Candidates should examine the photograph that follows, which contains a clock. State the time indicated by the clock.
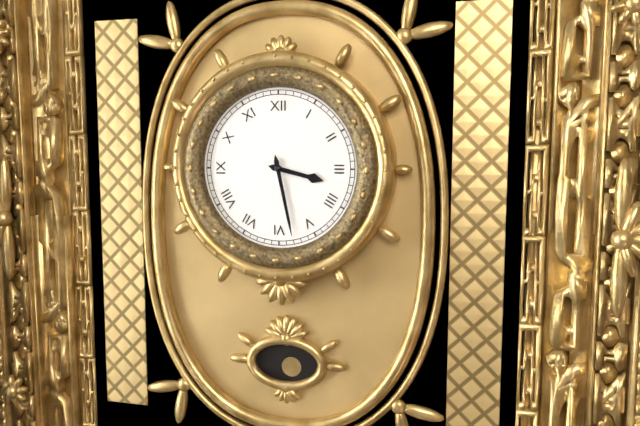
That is 3:28
